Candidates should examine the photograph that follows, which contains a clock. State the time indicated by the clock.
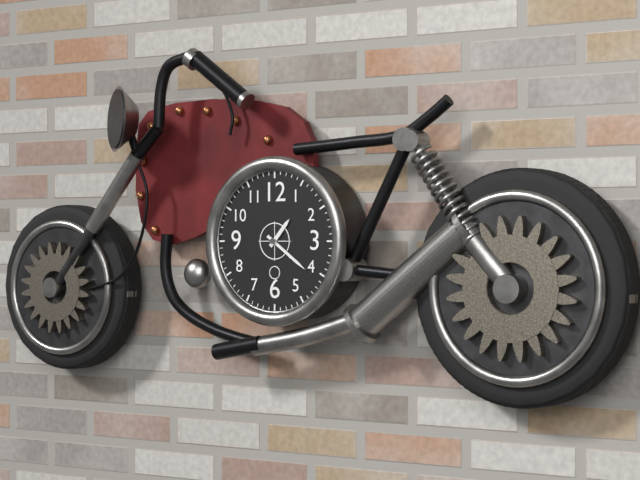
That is 1:21
